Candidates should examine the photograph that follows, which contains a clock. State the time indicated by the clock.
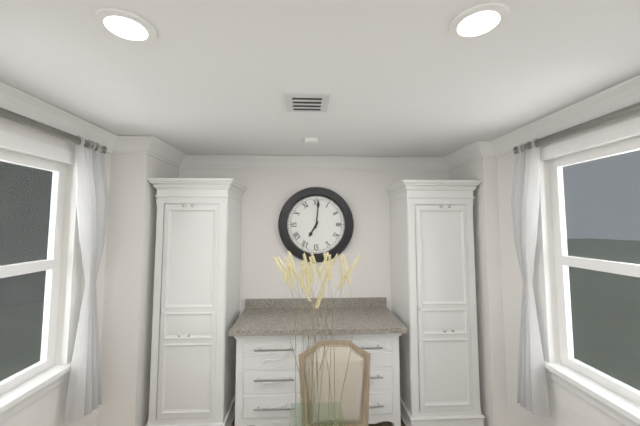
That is 7:01
